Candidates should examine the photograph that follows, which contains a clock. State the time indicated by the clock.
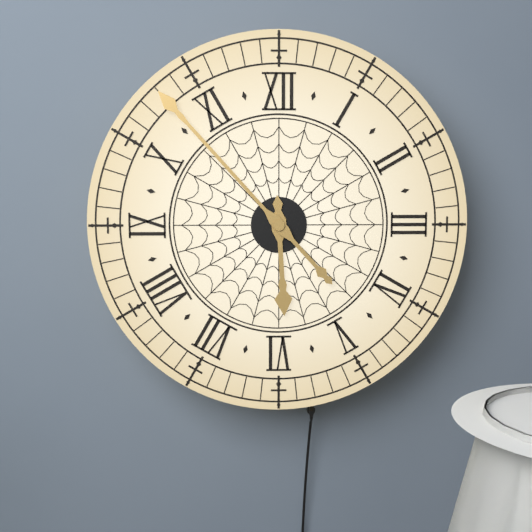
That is 5:53
